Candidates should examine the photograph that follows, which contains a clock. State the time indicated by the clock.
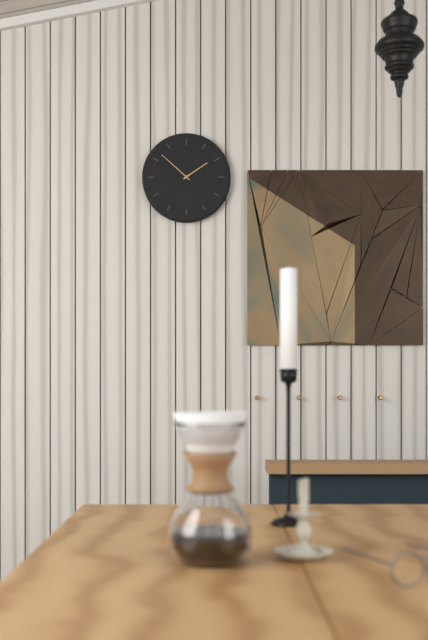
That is 1:52
